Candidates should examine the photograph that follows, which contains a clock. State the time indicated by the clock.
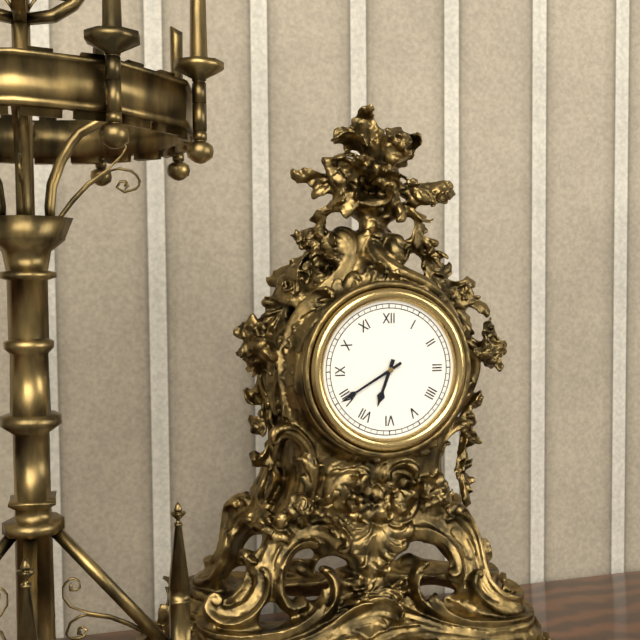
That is 6:40
